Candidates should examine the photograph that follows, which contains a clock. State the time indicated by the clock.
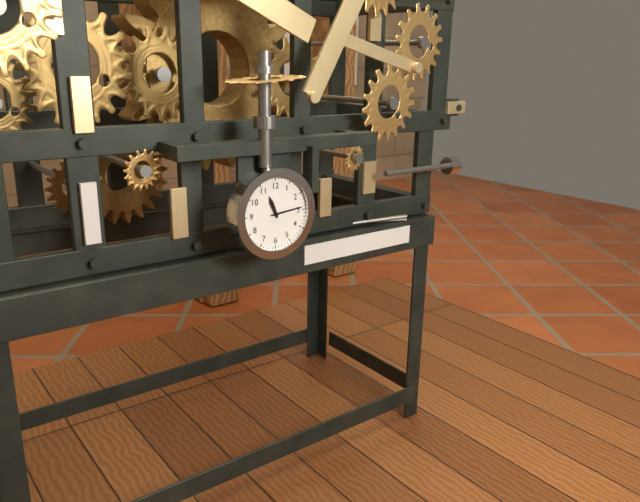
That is 11:14
